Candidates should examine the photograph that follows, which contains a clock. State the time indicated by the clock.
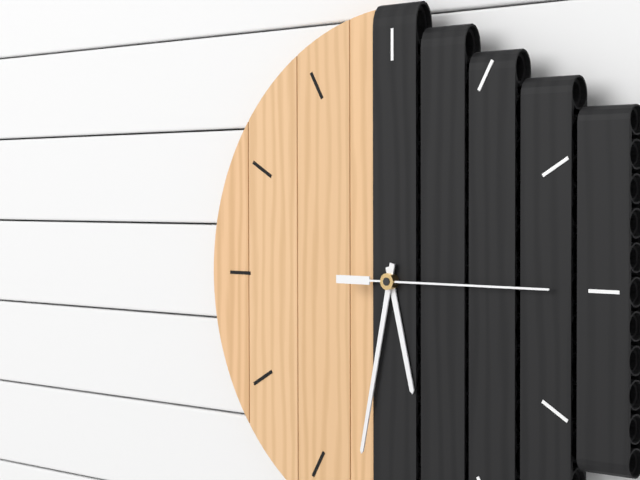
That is 5:32:15
